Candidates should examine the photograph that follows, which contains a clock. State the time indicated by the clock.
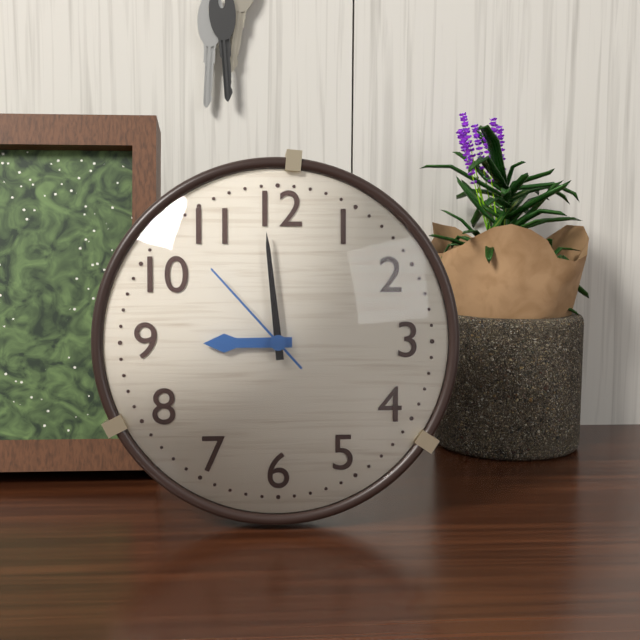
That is 8:59:53
